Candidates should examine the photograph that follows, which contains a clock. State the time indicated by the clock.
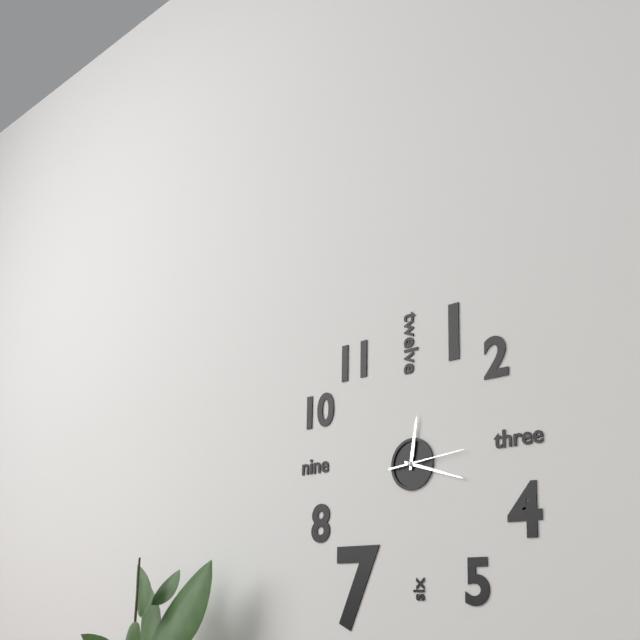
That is 12:18:14
